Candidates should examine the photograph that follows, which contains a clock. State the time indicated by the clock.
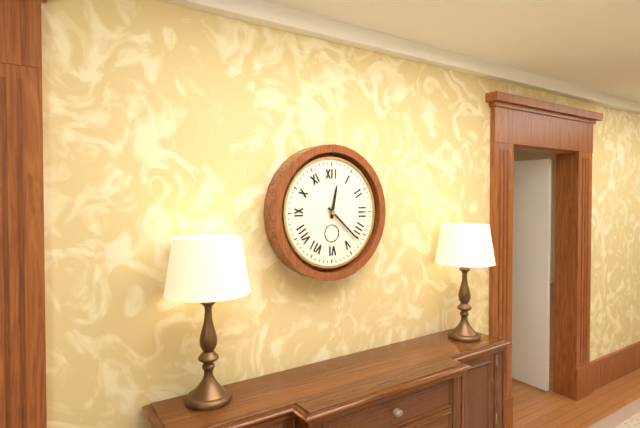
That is 12:22
